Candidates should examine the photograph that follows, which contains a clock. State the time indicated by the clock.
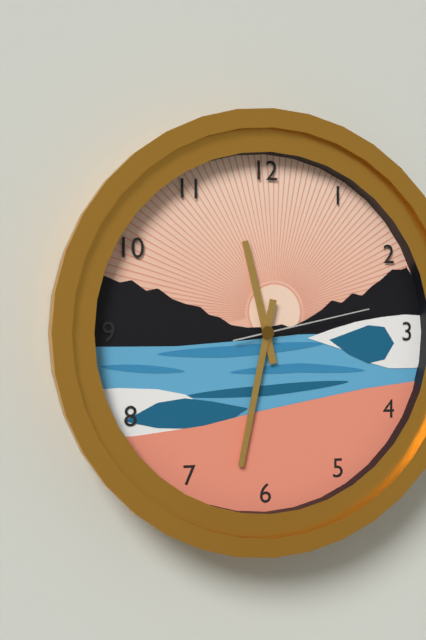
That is 11:32:13
